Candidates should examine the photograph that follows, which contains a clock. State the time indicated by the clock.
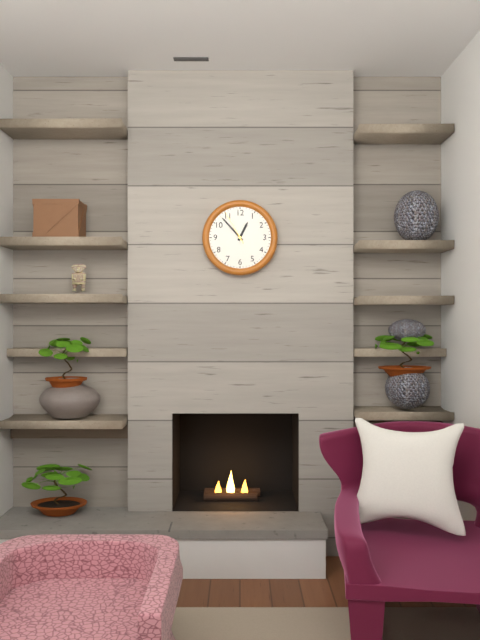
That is 12:53
